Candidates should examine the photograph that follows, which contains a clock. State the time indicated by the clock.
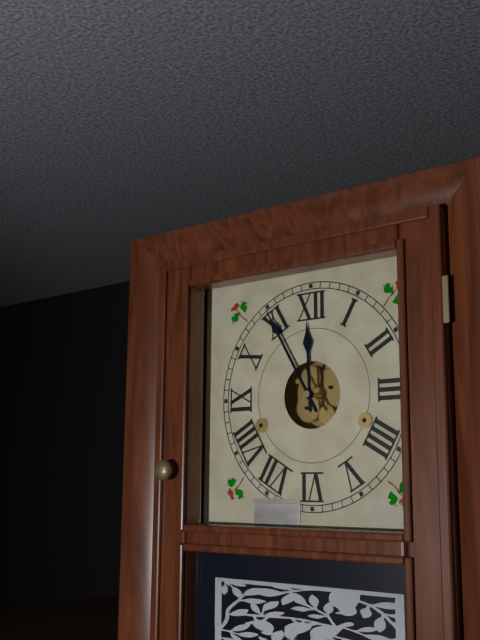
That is 11:55
